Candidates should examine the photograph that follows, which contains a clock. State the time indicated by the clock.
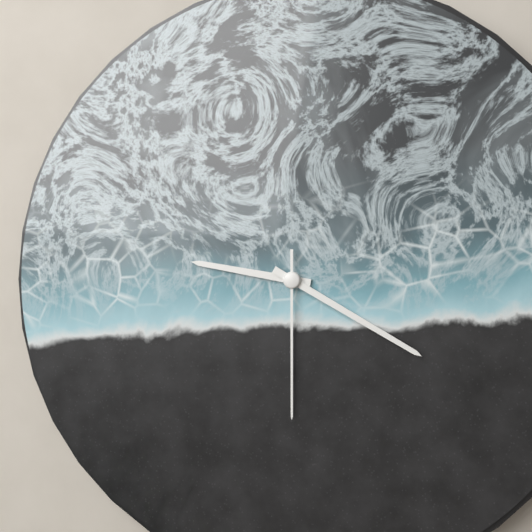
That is 9:20:30
